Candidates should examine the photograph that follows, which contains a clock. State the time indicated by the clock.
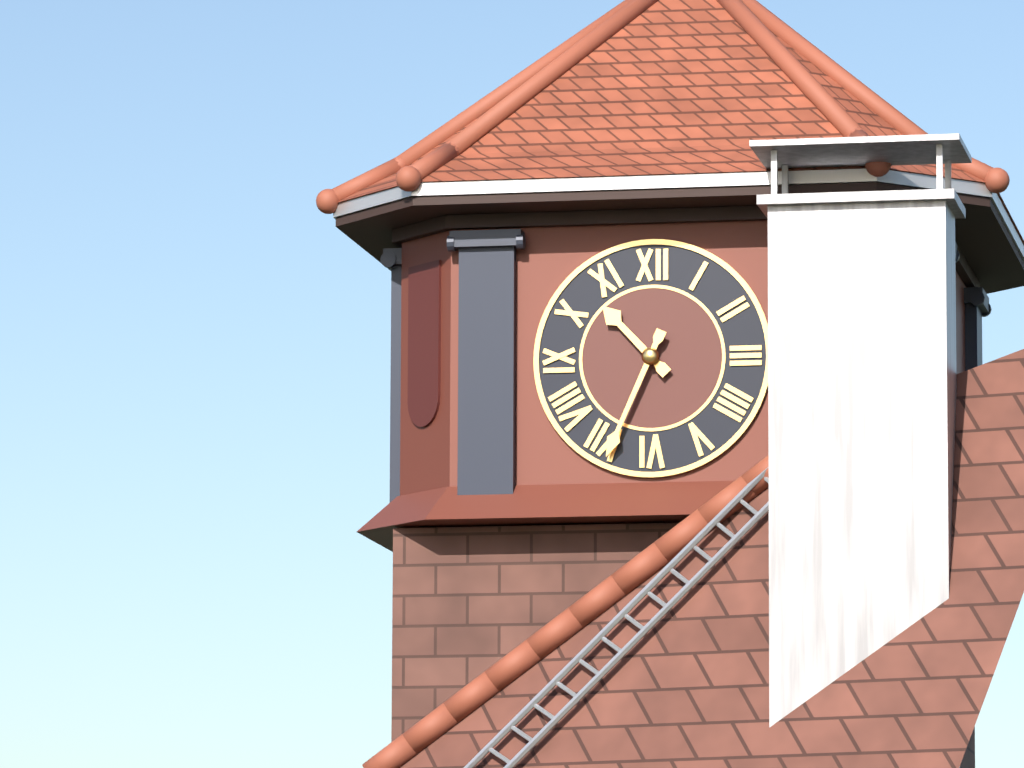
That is 10:34
